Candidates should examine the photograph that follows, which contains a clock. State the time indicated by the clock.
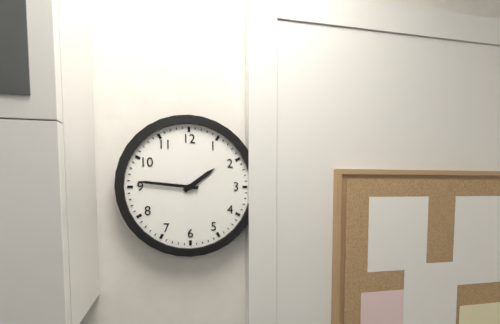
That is 1:46
